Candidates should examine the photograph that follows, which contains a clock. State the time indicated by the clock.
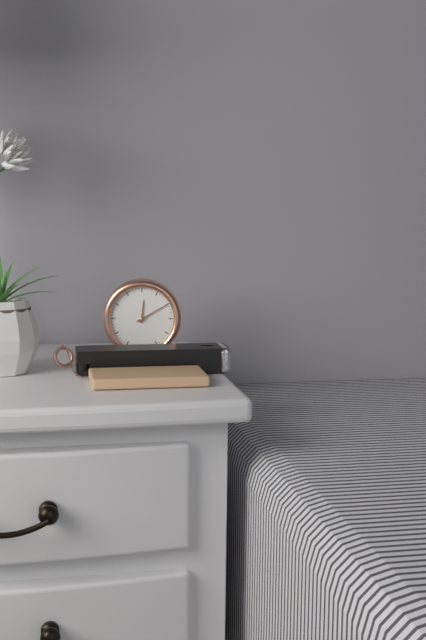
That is 12:10
